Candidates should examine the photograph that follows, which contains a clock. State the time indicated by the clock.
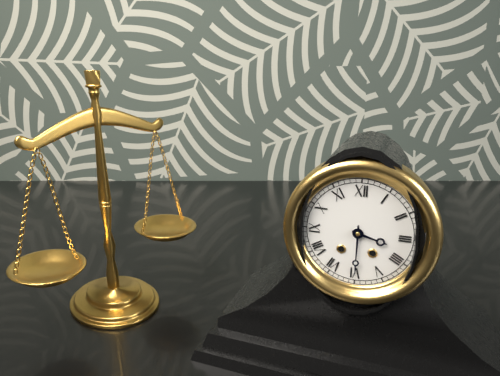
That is 3:30
